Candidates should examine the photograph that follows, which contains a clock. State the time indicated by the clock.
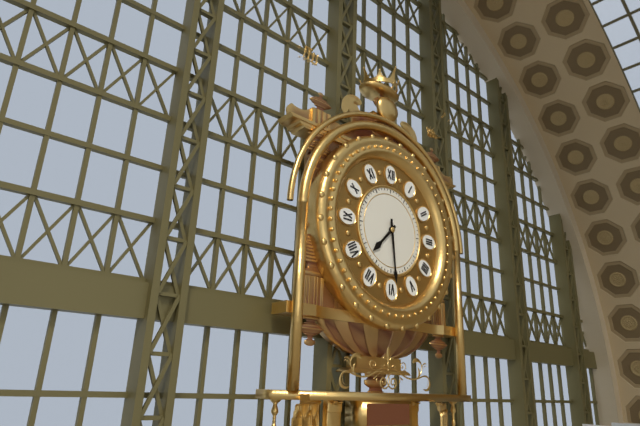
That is 7:29
